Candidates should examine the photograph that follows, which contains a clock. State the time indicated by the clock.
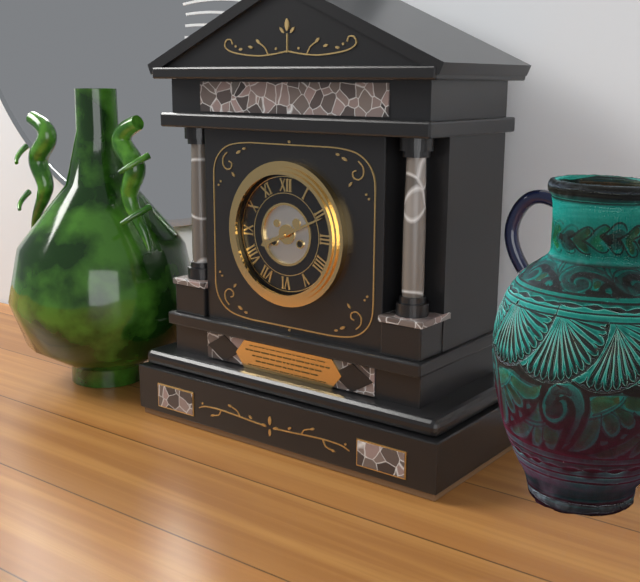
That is 8:11
